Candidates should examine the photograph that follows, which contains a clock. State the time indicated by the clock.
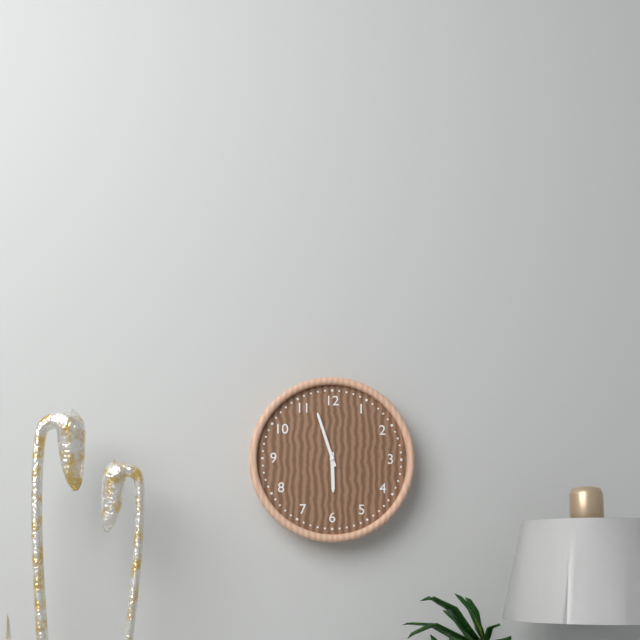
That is 5:57
